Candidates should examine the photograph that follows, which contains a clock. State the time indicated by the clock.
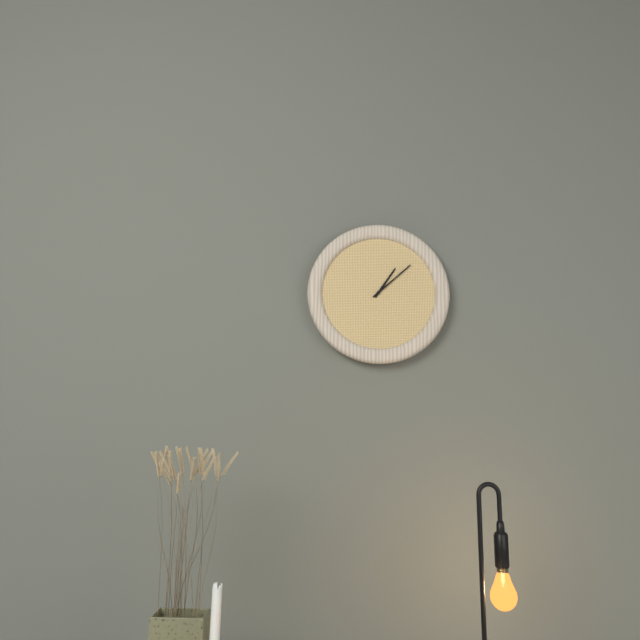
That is 1:08
